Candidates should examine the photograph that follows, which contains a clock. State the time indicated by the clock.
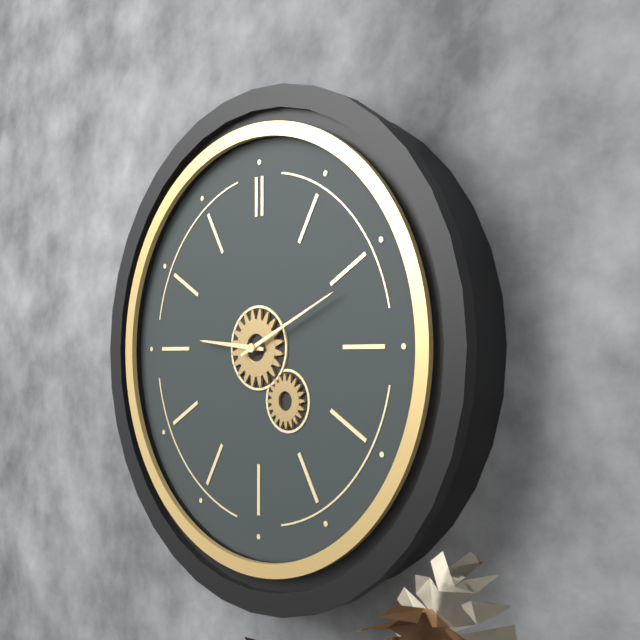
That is 9:11
